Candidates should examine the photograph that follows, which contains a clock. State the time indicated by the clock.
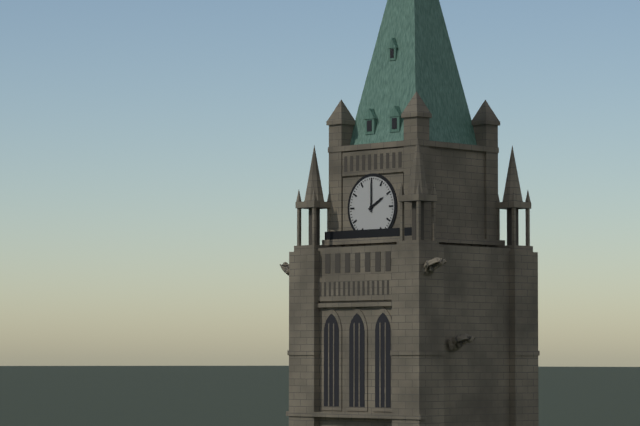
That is 2:00
